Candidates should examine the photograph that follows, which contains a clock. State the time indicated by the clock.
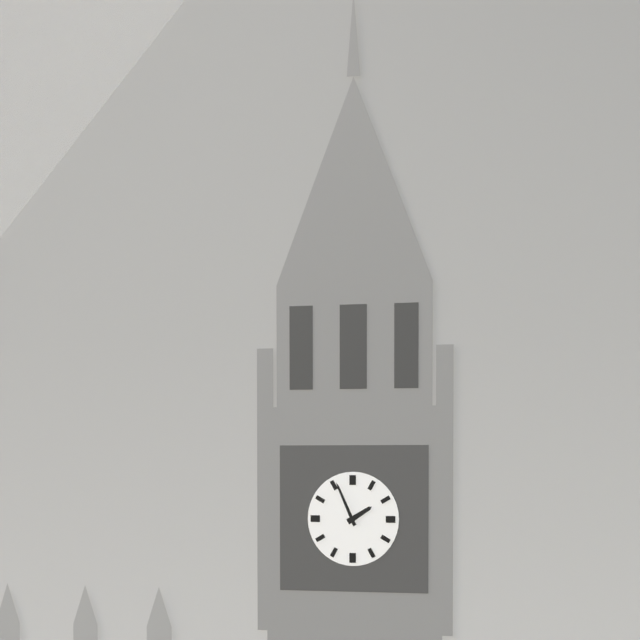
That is 1:56
